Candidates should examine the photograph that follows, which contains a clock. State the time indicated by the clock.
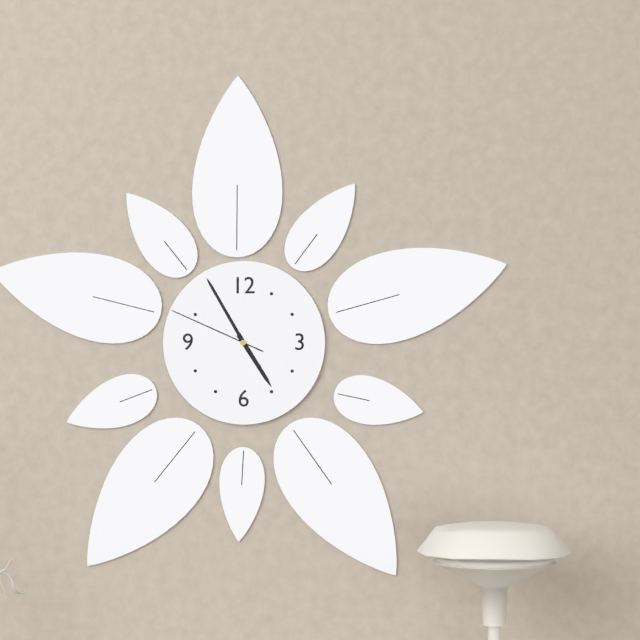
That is 4:55:49
